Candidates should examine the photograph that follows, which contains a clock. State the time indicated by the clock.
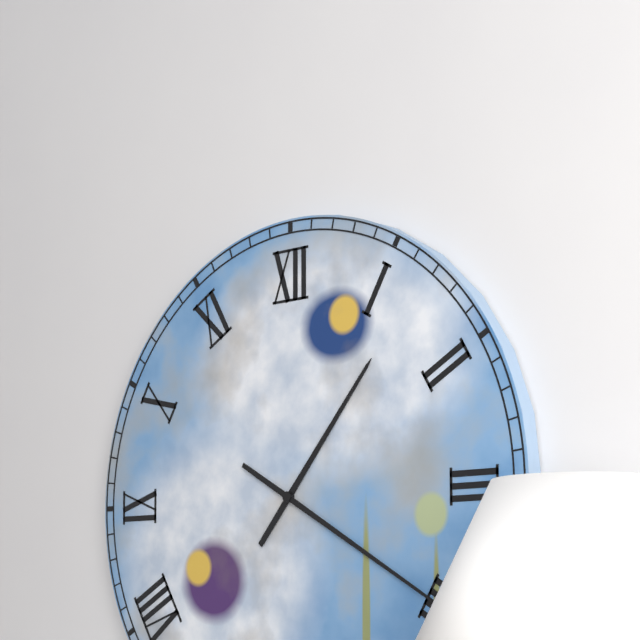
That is 1:20
